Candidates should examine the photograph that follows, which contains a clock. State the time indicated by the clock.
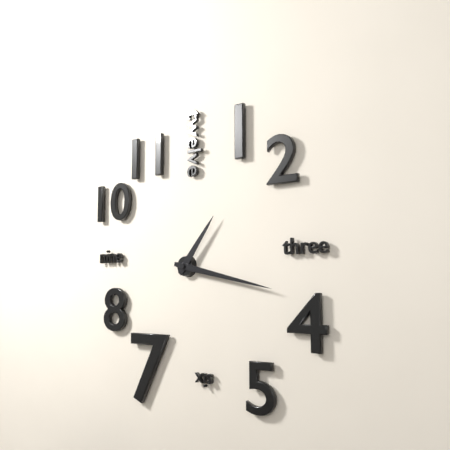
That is 1:17
